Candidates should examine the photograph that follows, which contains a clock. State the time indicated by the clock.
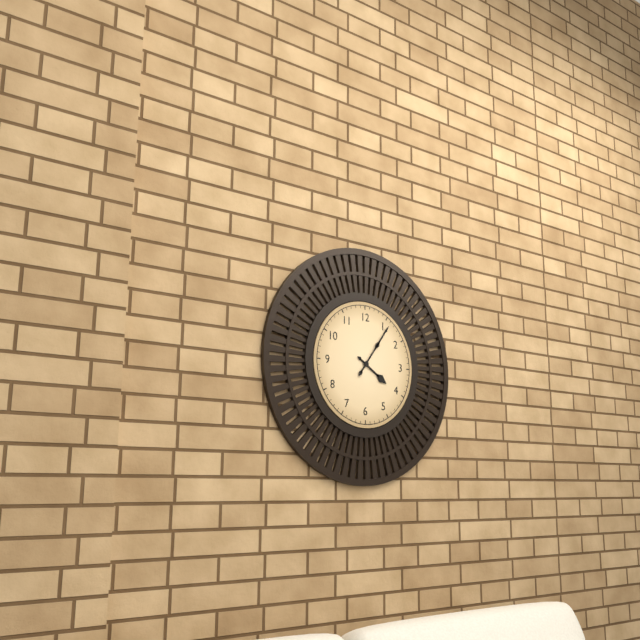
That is 4:06
